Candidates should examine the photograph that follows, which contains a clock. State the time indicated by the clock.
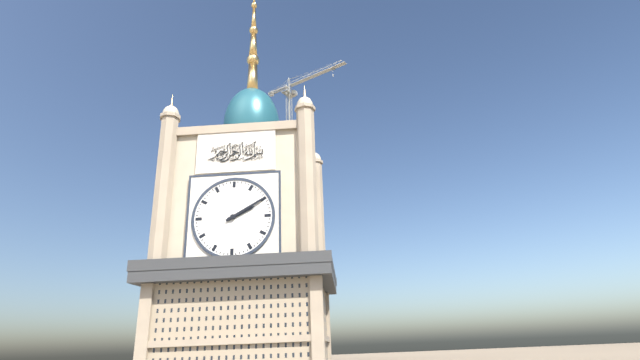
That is 2:10
